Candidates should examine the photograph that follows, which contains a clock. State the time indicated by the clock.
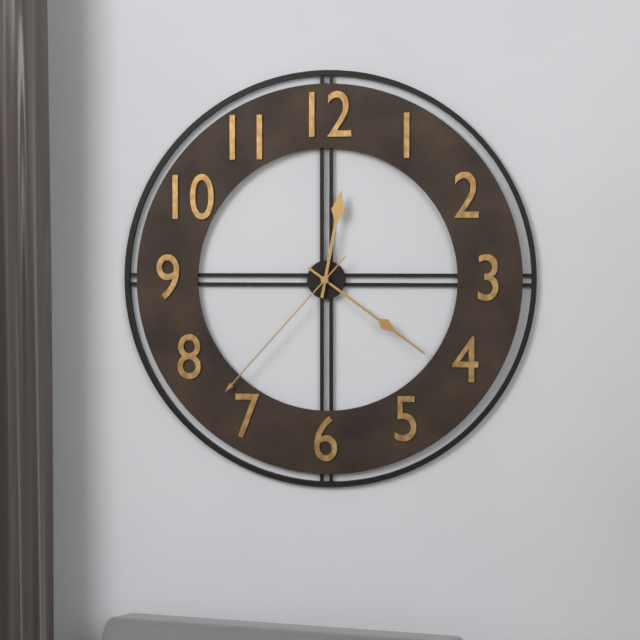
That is 12:21:37
